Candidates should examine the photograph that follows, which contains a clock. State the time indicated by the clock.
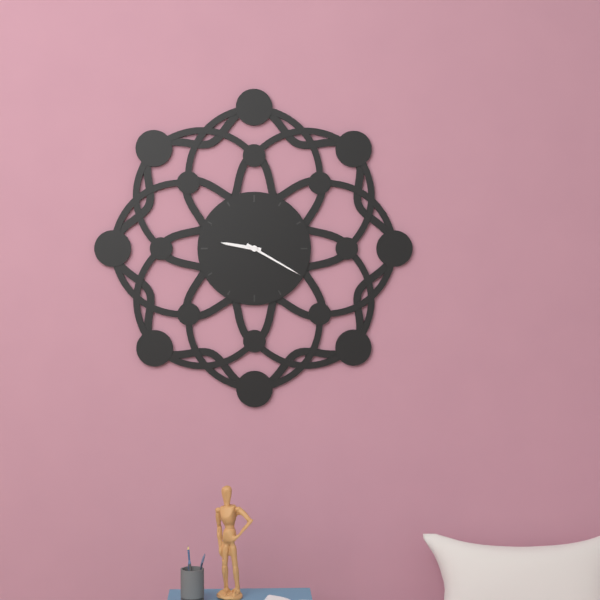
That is 9:20
